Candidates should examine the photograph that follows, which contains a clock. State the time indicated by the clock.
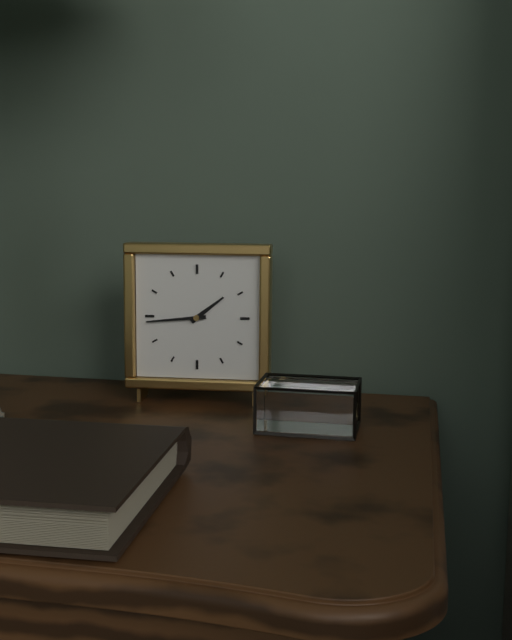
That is 1:44
